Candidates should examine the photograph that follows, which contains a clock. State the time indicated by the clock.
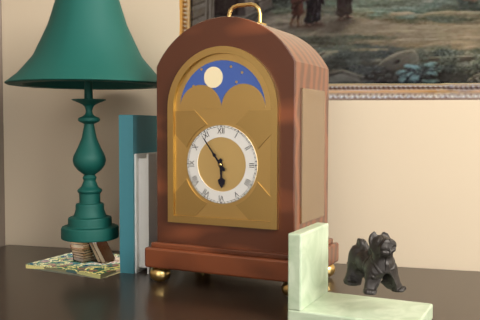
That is 5:54
